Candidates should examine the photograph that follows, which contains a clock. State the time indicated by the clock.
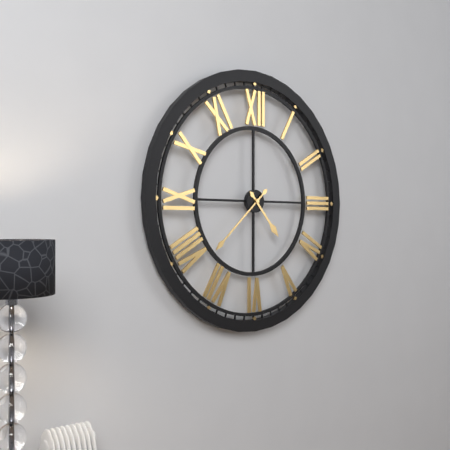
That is 4:38
